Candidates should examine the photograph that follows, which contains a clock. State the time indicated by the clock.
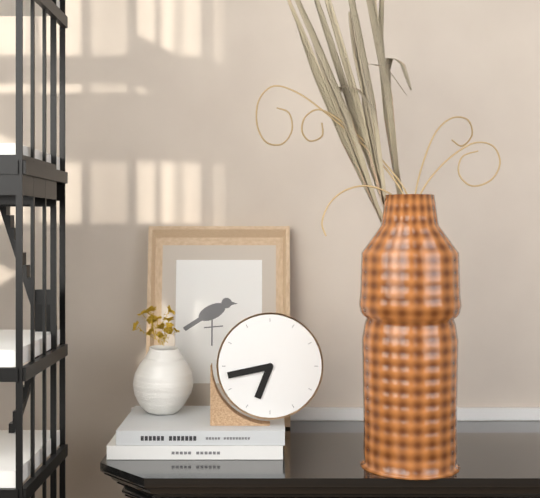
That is 6:43
